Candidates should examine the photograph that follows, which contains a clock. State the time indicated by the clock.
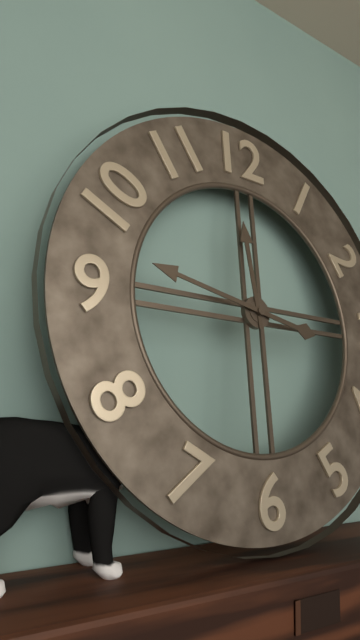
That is 11:47
